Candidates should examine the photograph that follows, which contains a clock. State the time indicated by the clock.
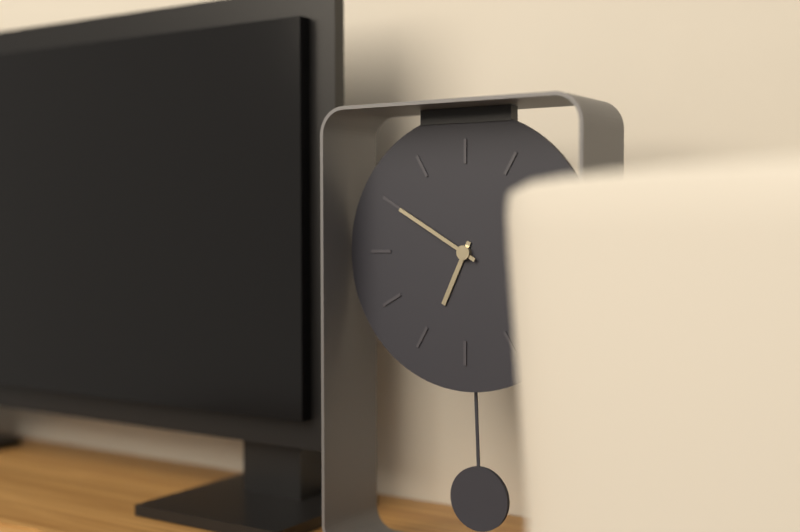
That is 6:50
